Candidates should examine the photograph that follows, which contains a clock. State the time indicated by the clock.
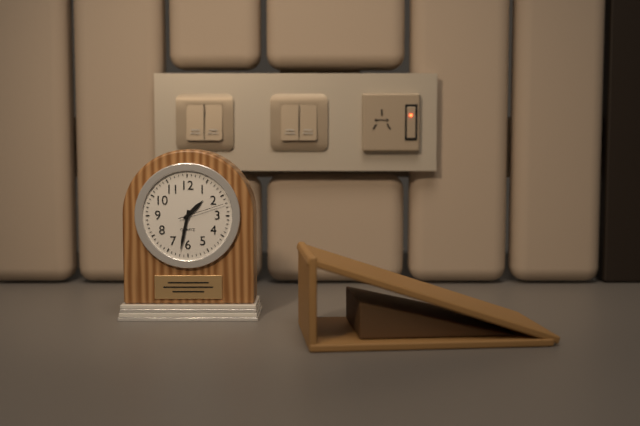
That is 1:32
